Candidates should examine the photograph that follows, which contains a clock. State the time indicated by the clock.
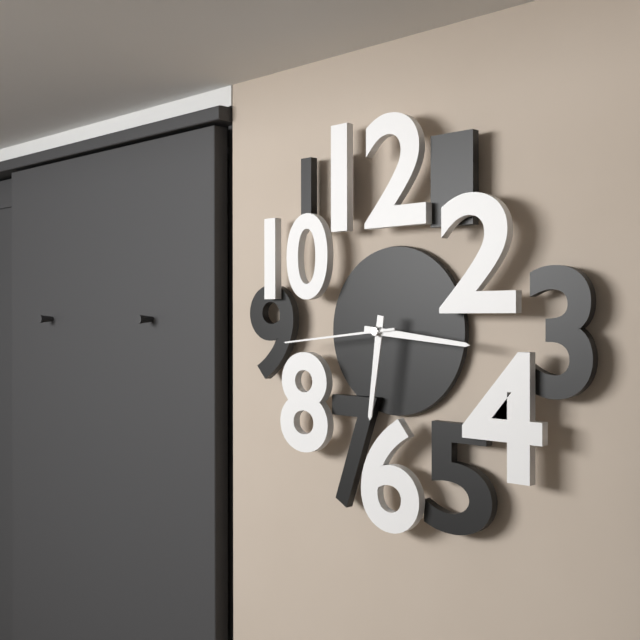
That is 6:16:44
